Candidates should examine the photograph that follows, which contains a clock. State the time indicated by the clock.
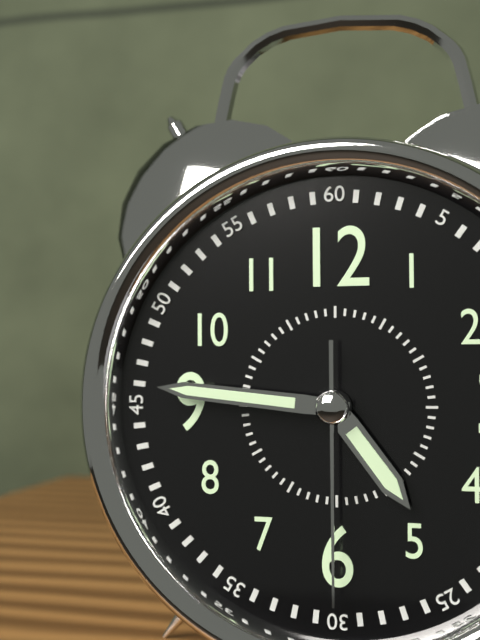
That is 4:46:30
